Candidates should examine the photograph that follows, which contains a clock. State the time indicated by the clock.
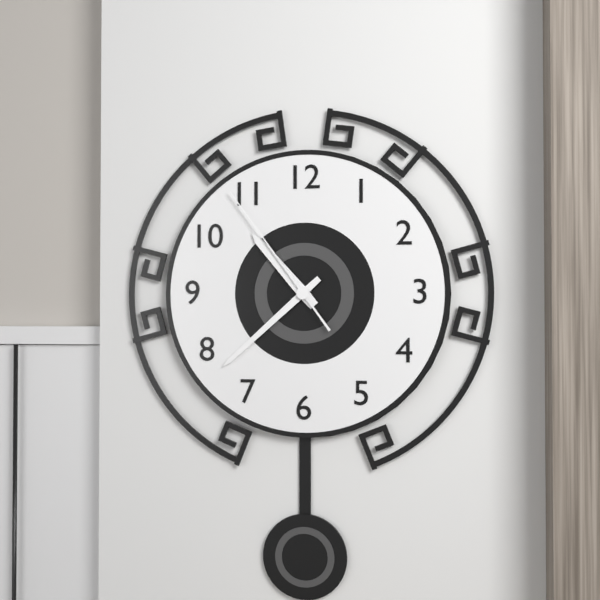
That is 10:38:54
